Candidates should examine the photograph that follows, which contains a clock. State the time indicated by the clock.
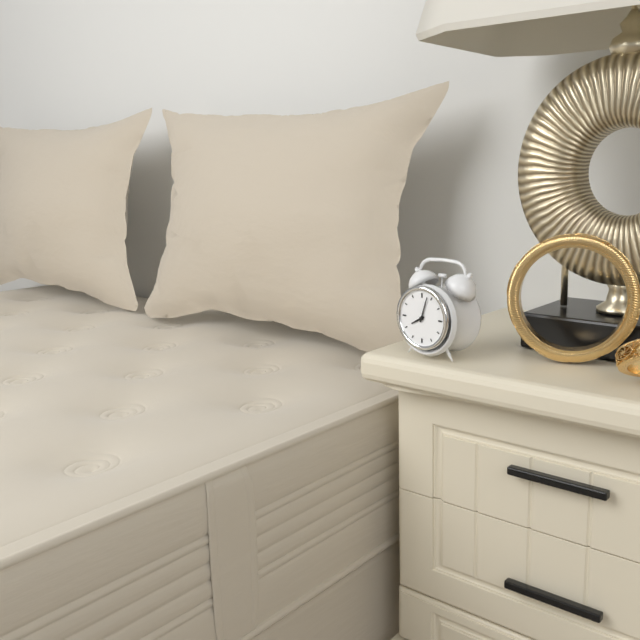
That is 8:03
